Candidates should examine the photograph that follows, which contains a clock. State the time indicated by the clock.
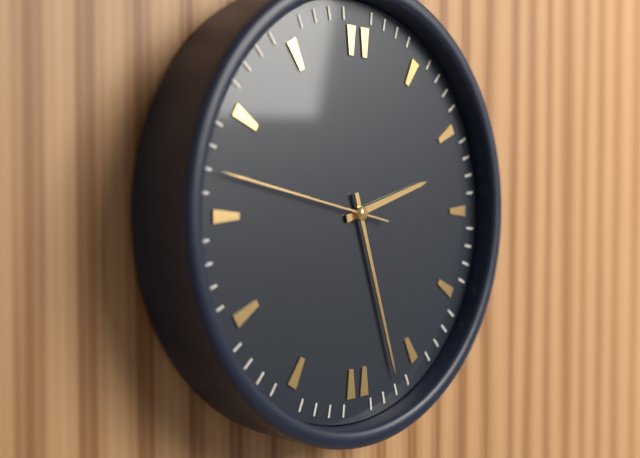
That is 2:27:47
